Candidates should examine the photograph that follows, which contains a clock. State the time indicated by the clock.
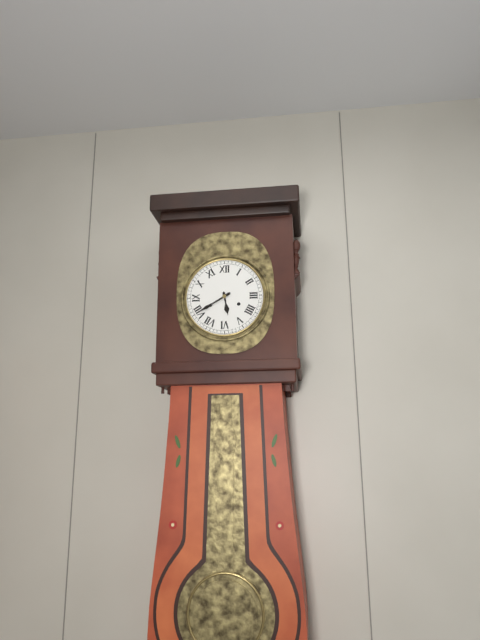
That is 5:40
